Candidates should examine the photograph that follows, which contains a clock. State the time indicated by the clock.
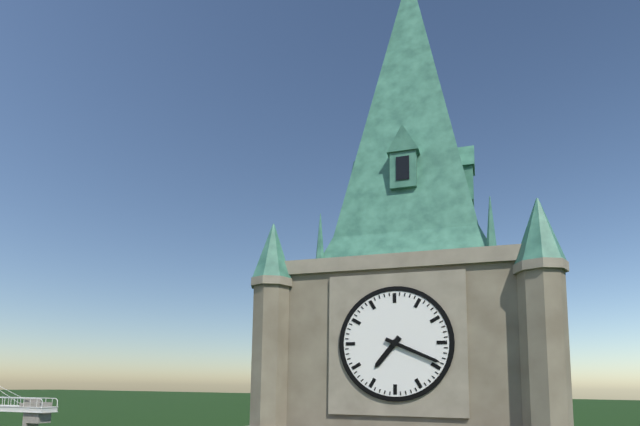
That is 7:19
